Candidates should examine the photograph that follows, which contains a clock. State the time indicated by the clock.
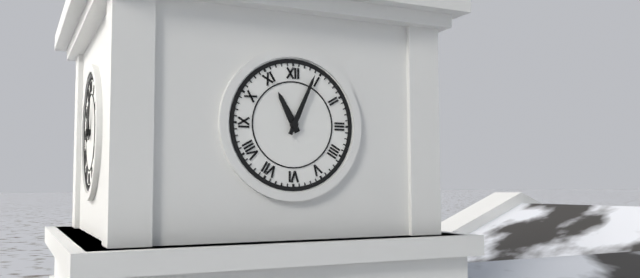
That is 11:04
